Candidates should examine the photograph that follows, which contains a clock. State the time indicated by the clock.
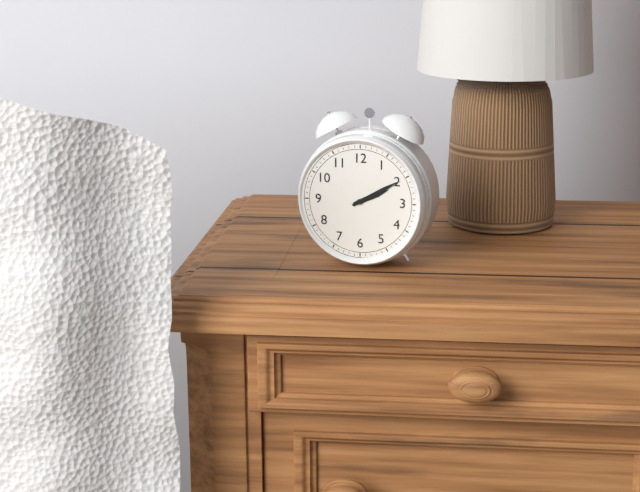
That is 2:10
